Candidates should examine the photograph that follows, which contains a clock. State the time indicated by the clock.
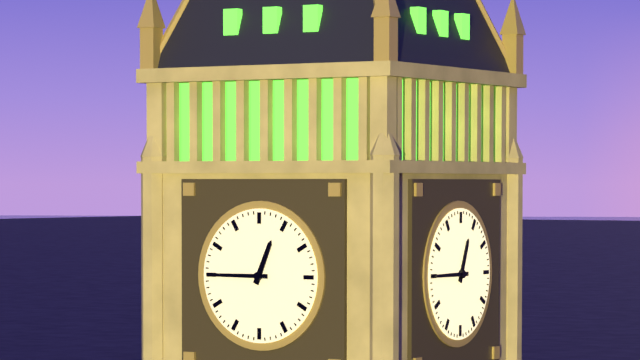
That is 12:45
